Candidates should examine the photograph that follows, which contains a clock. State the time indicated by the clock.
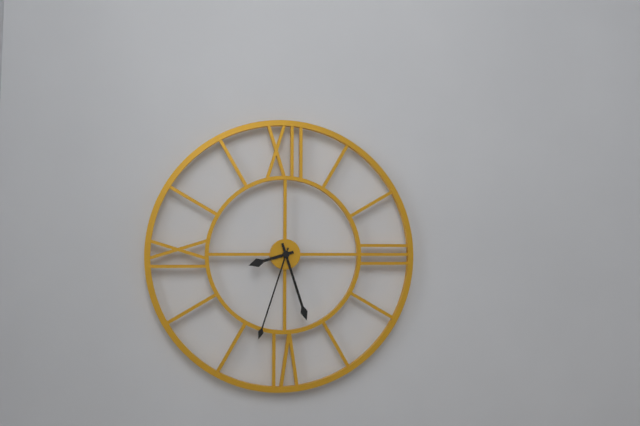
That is 8:27:33
